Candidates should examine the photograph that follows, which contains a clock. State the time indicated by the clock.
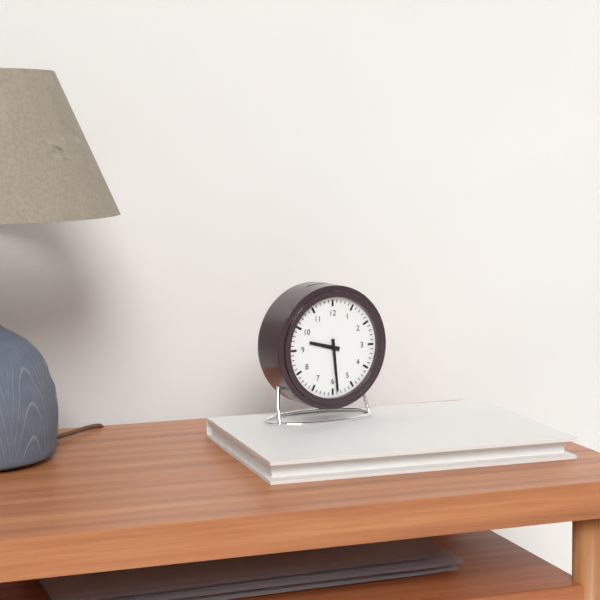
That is 9:29
